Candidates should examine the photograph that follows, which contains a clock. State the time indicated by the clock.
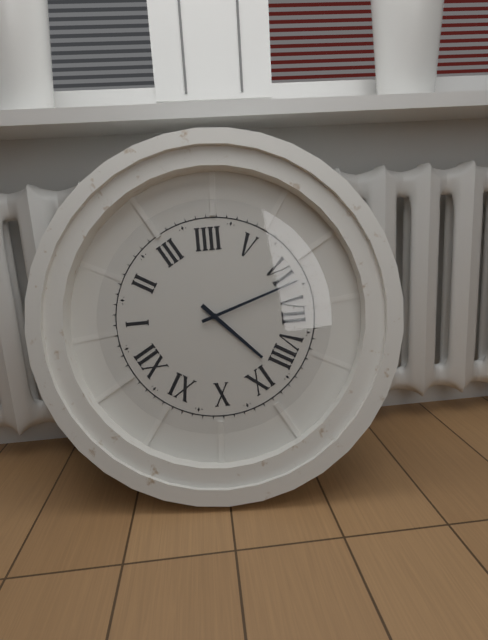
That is 8:32
